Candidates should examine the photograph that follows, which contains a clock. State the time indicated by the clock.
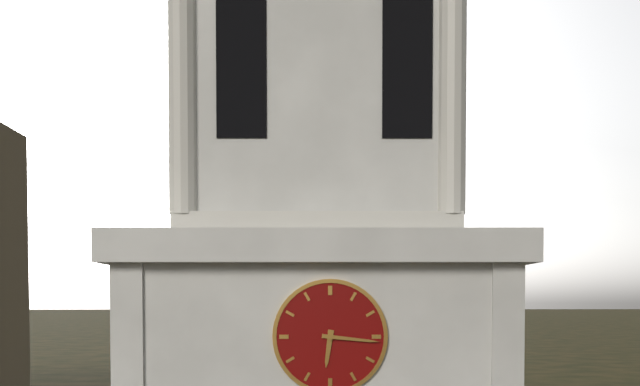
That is 6:16
